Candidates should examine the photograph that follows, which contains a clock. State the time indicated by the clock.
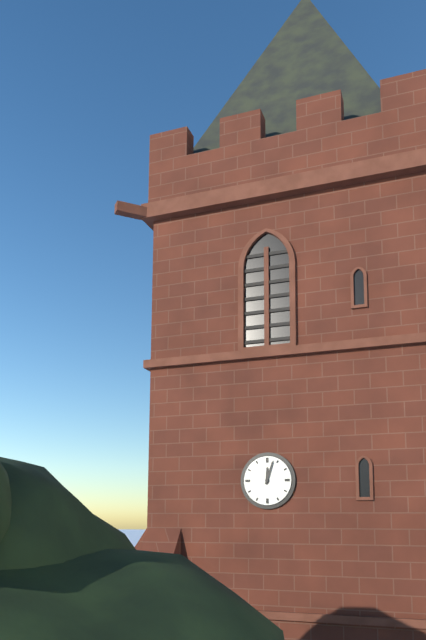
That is 12:03
